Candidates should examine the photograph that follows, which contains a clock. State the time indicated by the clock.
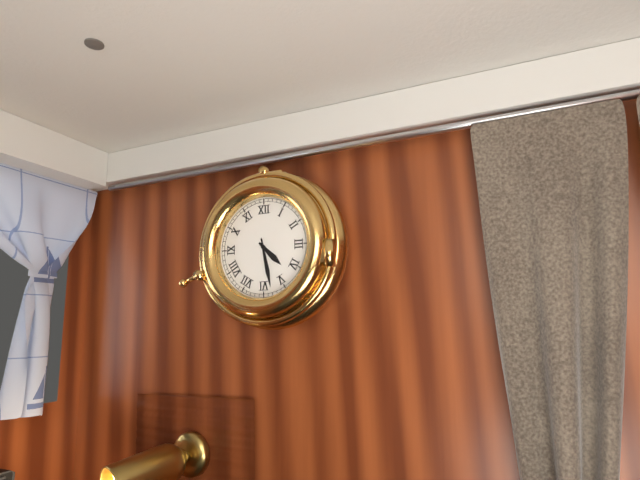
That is 4:28
